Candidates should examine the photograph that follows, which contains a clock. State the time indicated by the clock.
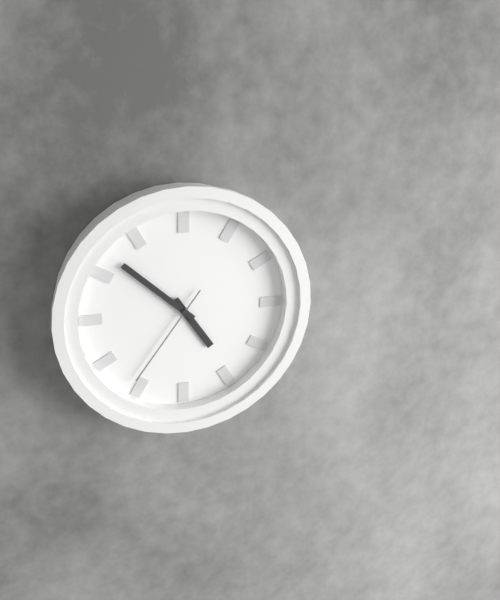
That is 4:52:36
